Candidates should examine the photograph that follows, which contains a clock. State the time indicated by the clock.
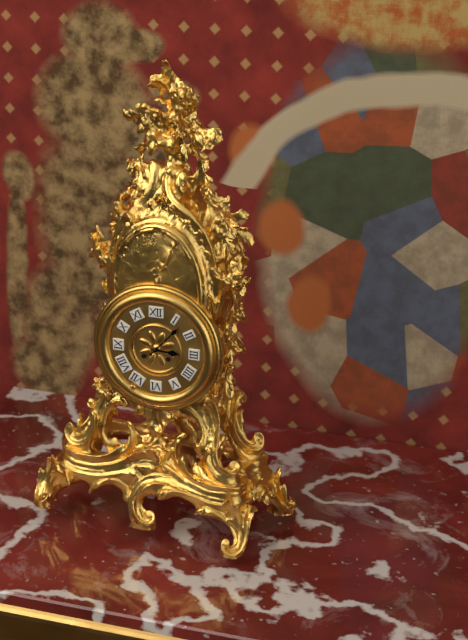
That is 3:07
